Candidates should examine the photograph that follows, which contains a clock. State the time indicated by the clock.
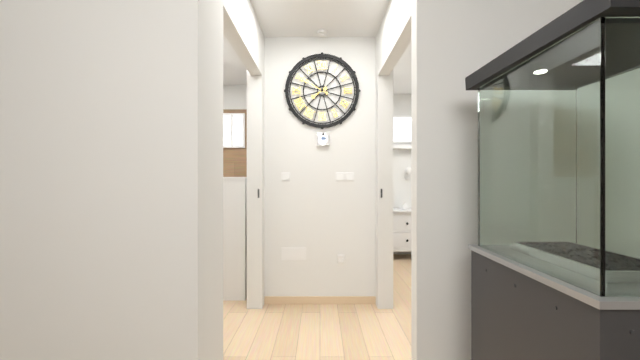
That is 7:50
